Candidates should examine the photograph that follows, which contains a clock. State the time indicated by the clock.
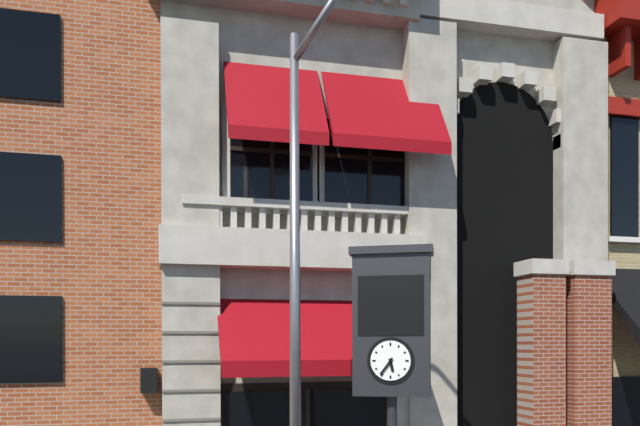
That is 5:36
